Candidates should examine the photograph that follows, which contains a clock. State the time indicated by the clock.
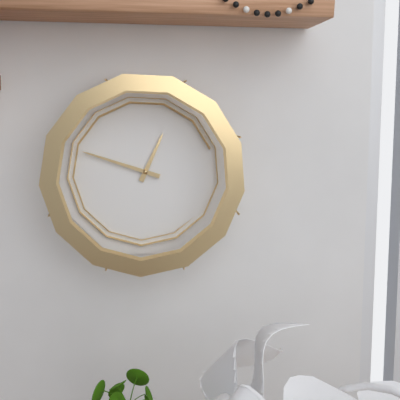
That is 12:48
